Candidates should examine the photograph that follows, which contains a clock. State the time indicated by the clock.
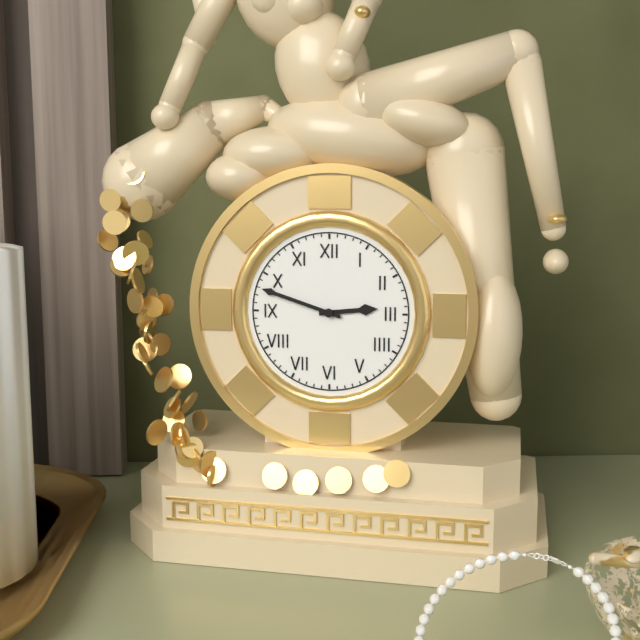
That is 2:48
